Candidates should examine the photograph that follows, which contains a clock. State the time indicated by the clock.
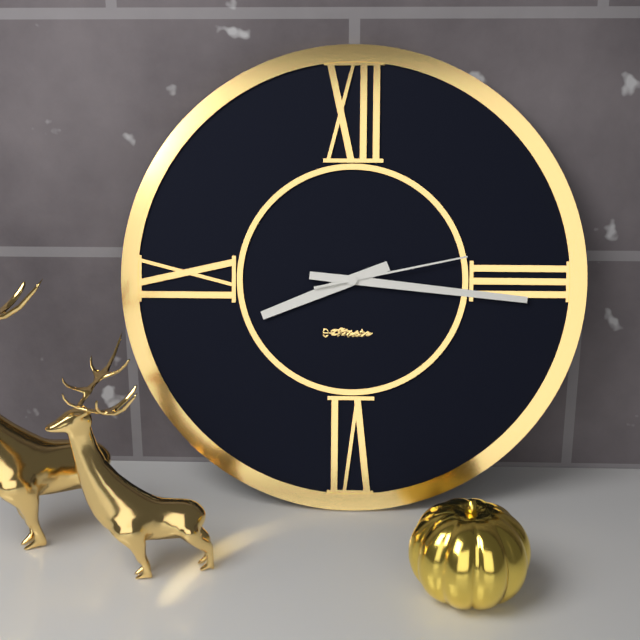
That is 8:16:13
